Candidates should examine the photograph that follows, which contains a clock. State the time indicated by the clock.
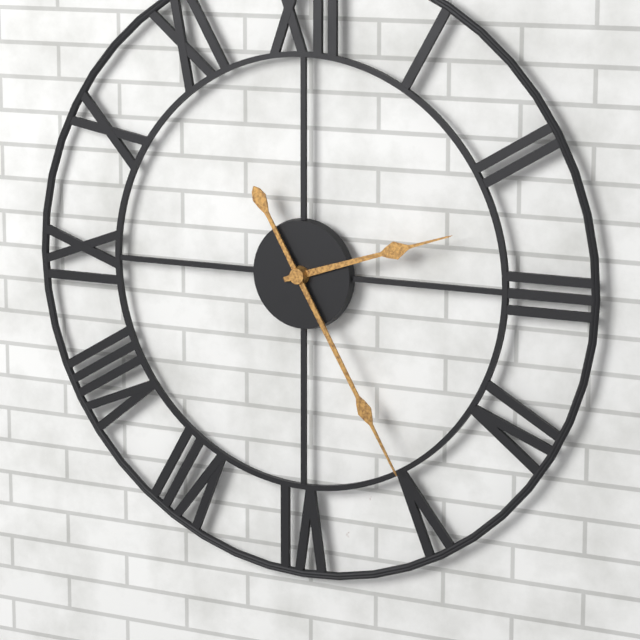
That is 2:25
